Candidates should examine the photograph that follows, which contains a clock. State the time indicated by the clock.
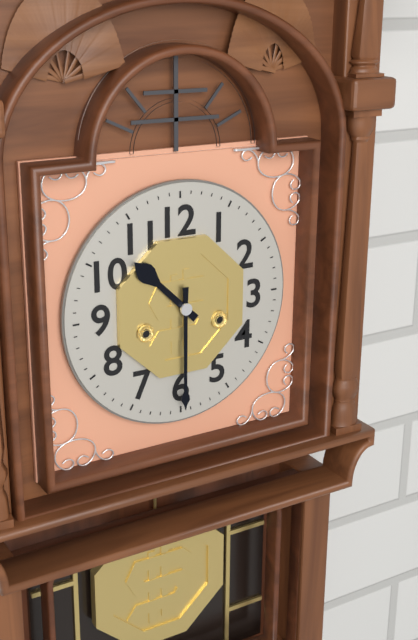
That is 10:30
